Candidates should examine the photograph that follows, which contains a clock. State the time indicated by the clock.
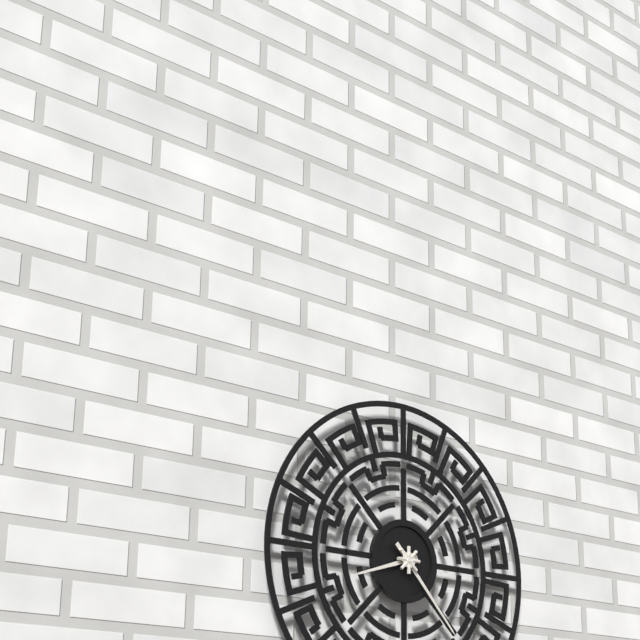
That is 8:23
